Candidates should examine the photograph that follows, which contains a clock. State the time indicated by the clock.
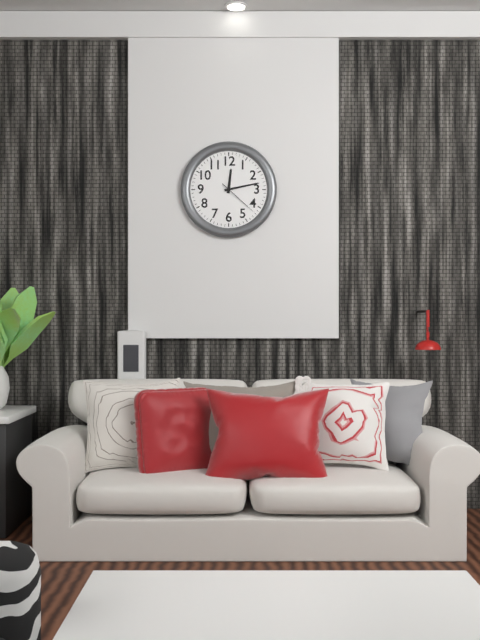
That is 12:13
